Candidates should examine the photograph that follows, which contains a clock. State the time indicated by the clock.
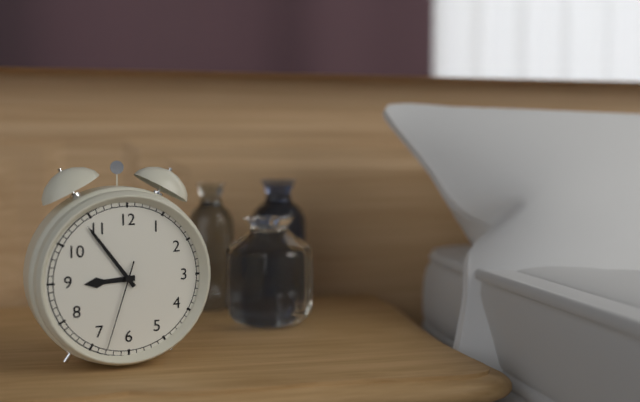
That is 8:54:33
